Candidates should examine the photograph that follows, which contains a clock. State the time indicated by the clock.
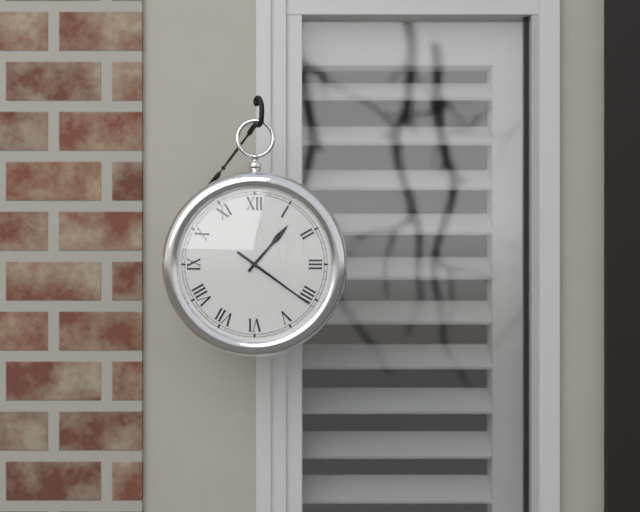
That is 1:21
